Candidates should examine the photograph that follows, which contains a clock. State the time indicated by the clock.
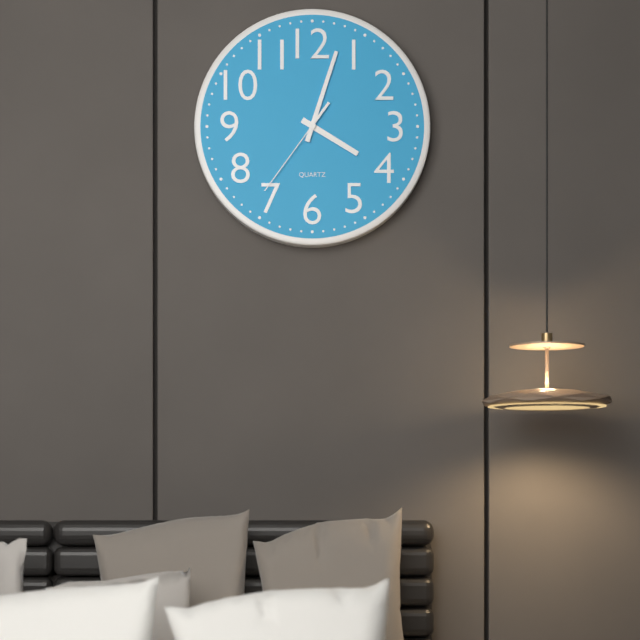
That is 4:03:36
